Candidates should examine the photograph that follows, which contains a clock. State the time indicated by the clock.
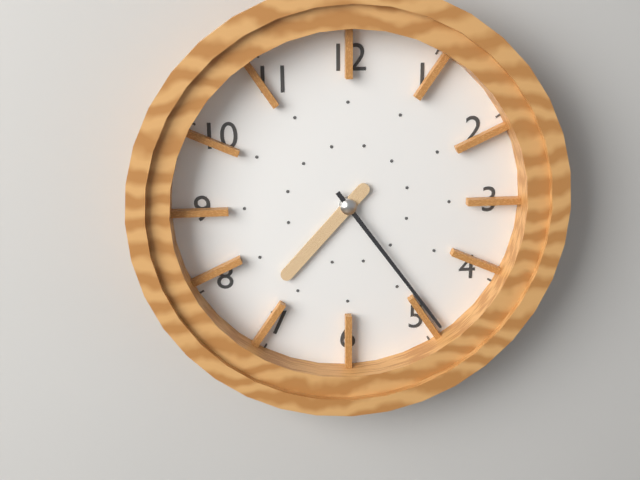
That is 7:24
